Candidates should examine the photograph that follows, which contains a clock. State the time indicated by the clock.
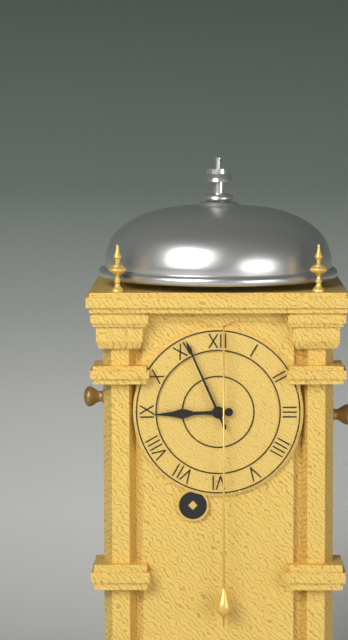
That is 8:56
